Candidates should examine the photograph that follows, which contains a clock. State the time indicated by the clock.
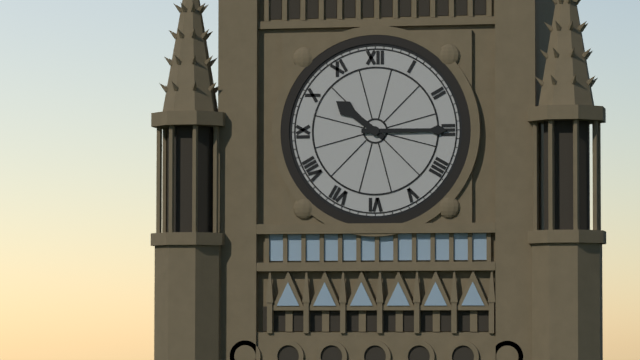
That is 10:15
